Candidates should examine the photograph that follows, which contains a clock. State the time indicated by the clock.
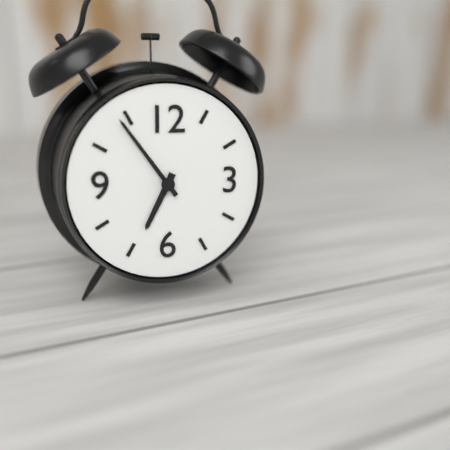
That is 6:54
